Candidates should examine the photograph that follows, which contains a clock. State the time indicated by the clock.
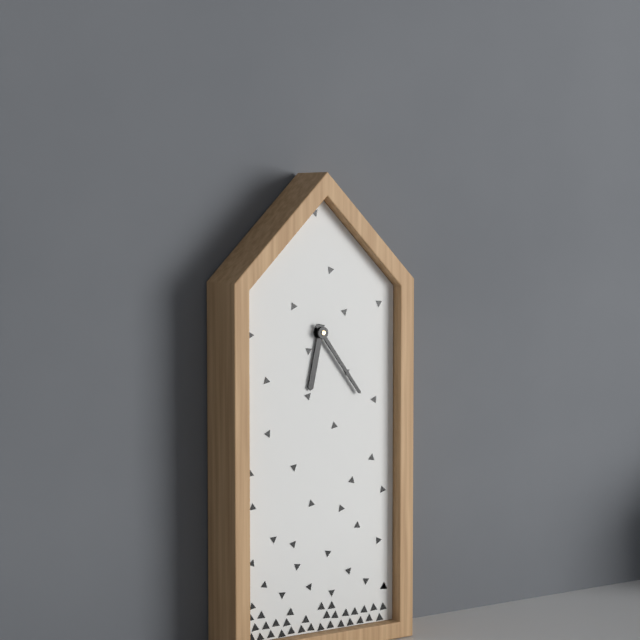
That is 6:24
